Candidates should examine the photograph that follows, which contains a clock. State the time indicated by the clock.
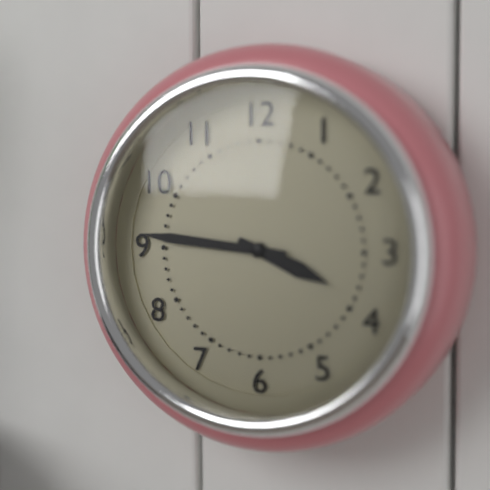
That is 3:46
